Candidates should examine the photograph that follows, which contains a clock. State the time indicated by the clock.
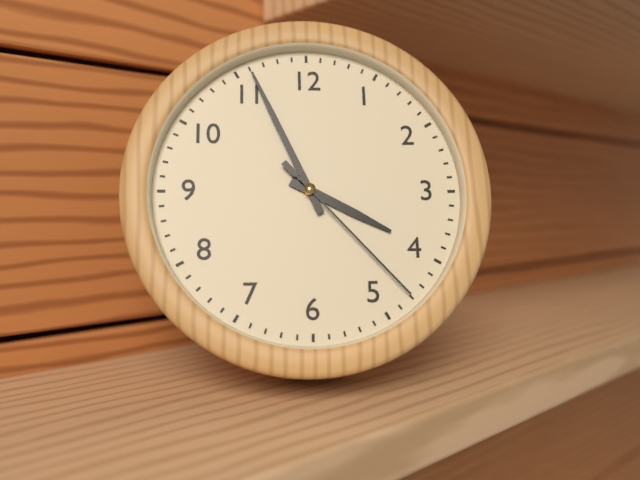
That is 3:56:23
